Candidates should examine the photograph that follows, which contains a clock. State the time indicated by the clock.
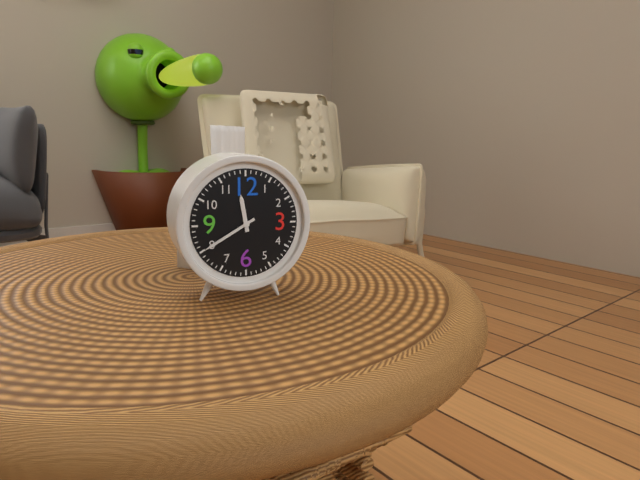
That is 11:40
